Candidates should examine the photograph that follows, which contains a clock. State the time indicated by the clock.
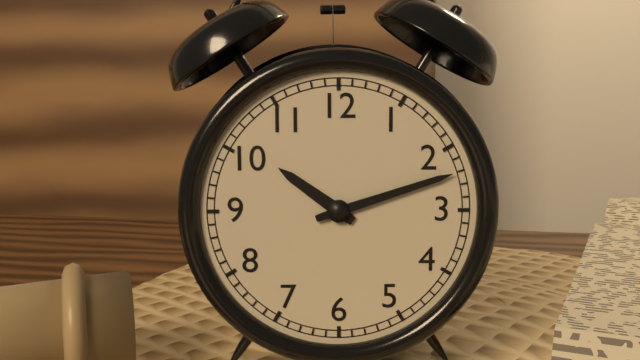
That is 10:12
